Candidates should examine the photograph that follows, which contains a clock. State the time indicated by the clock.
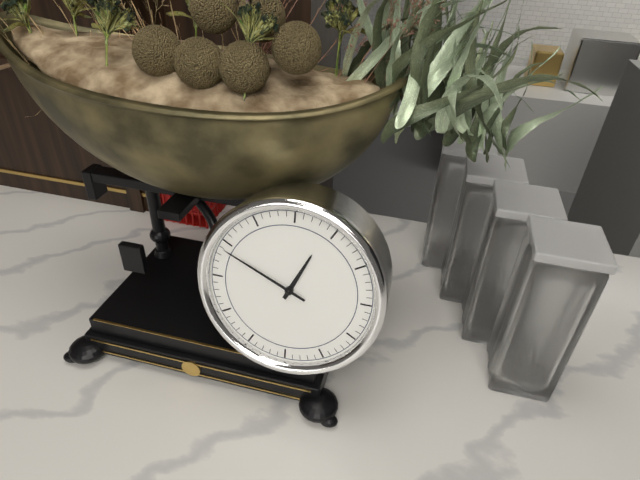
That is 12:49
